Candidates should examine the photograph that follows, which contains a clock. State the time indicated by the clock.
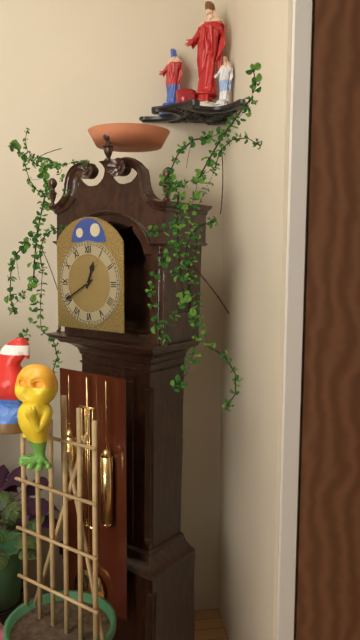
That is 12:40
